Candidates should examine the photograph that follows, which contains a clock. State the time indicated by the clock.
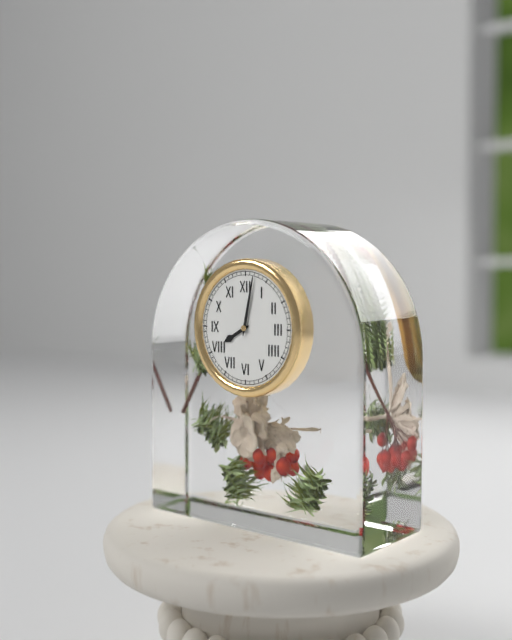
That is 8:02
